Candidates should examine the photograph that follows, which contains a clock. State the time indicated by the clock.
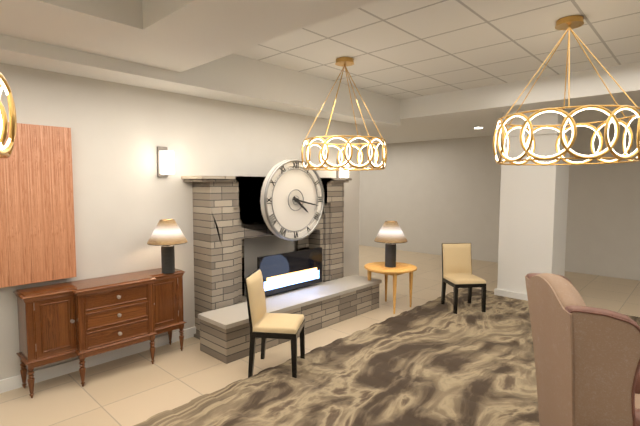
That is 4:17
